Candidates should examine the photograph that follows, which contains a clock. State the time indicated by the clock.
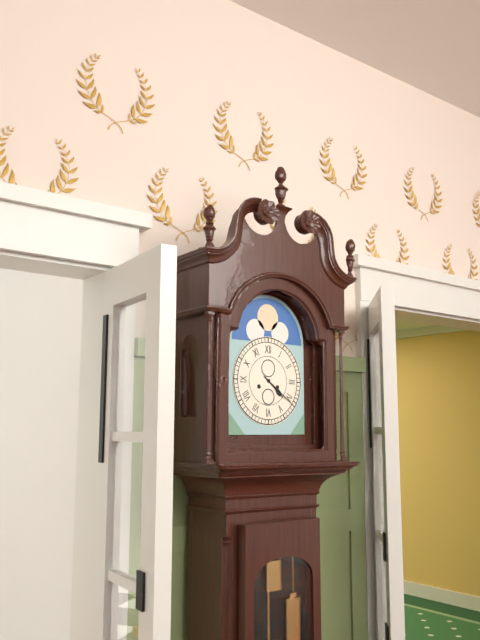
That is 4:21
